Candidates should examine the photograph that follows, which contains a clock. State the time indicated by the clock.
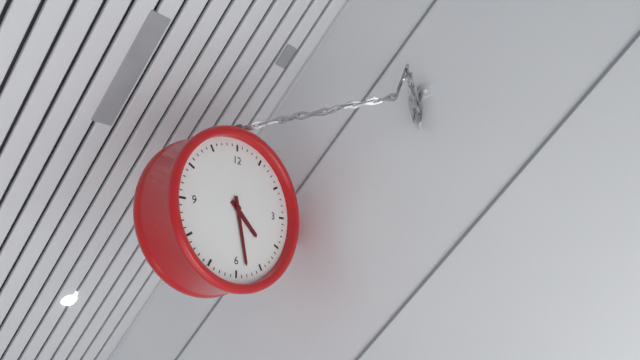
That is 4:28
